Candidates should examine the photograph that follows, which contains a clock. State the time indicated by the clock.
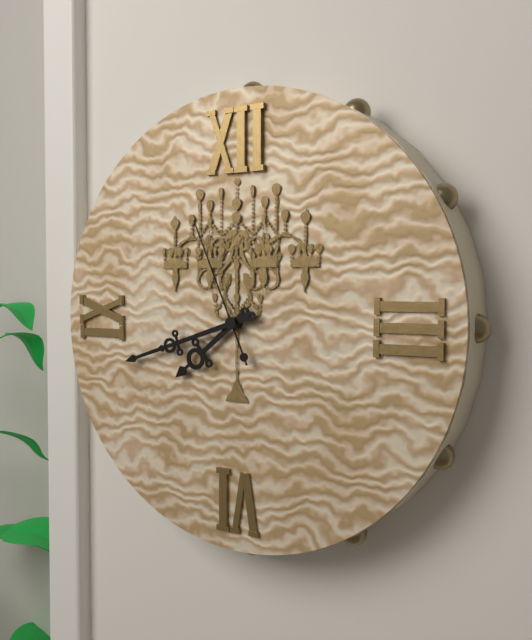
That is 7:42:56
